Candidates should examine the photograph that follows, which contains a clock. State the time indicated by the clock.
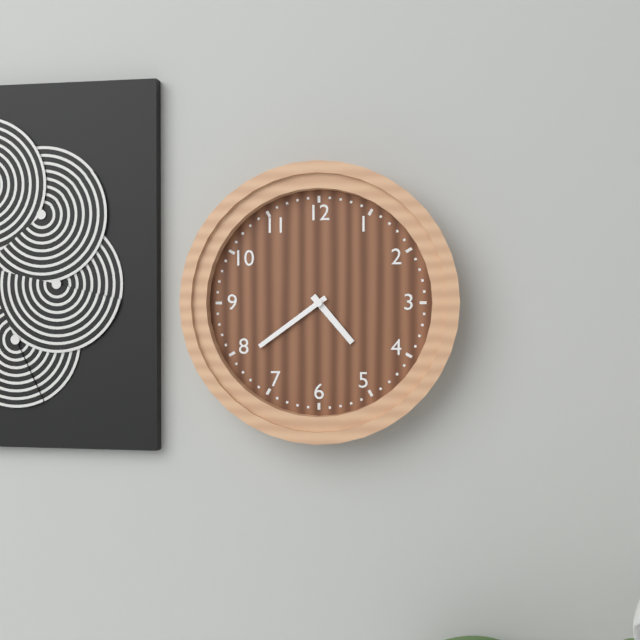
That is 4:39
